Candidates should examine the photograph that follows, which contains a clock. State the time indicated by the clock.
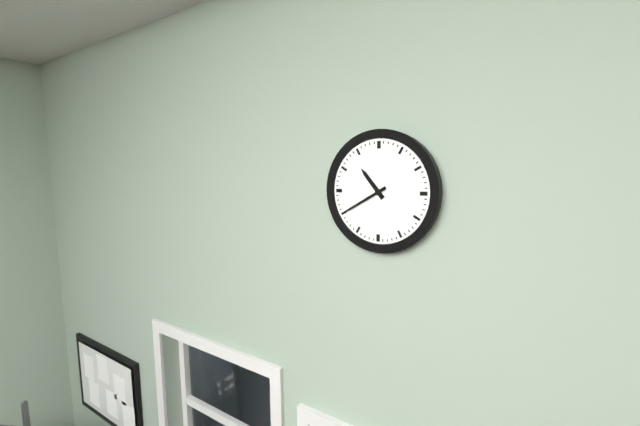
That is 10:40
